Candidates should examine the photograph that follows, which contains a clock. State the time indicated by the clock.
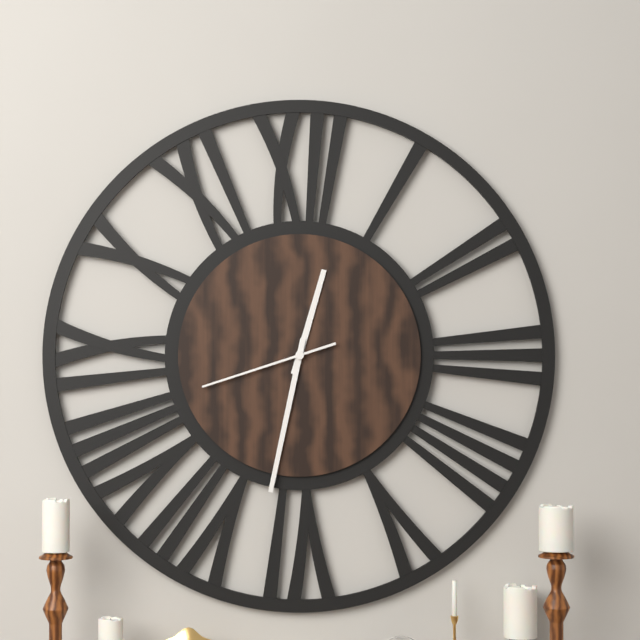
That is 12:32:42
